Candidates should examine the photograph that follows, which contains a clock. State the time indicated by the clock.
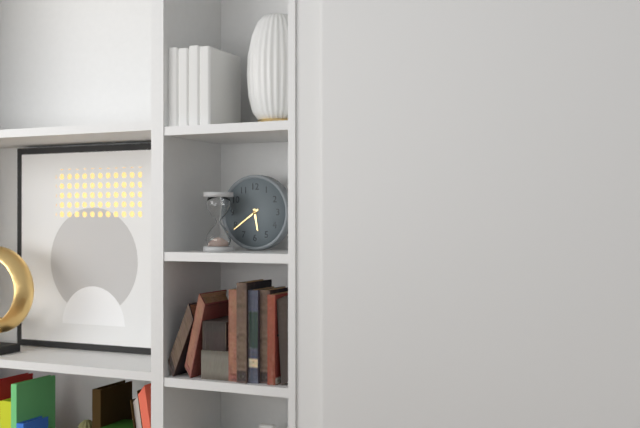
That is 5:39
